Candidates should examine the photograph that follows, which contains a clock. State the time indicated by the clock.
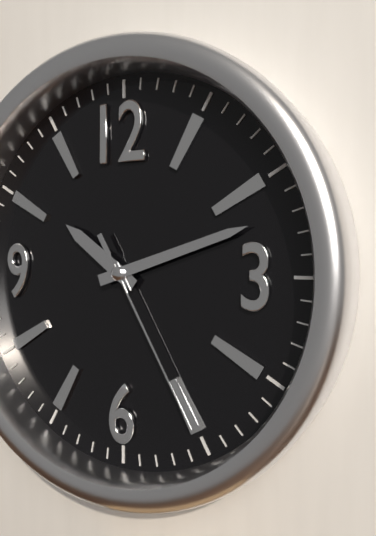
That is 10:12:25
